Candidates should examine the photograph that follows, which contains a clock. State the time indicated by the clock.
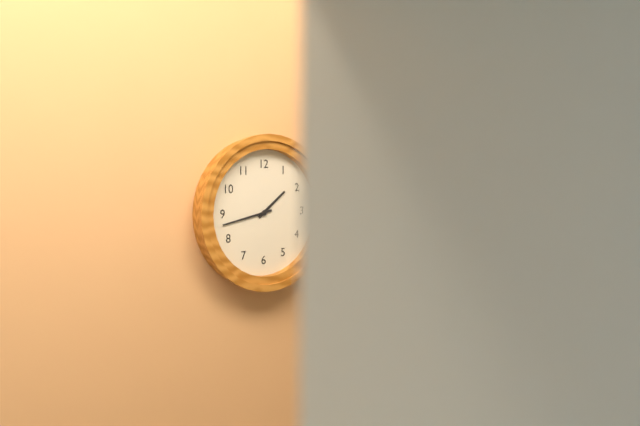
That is 1:43
